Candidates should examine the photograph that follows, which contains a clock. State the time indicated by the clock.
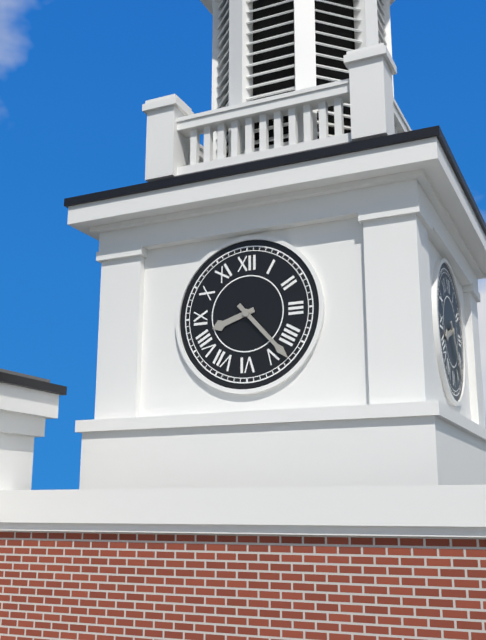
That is 8:23
